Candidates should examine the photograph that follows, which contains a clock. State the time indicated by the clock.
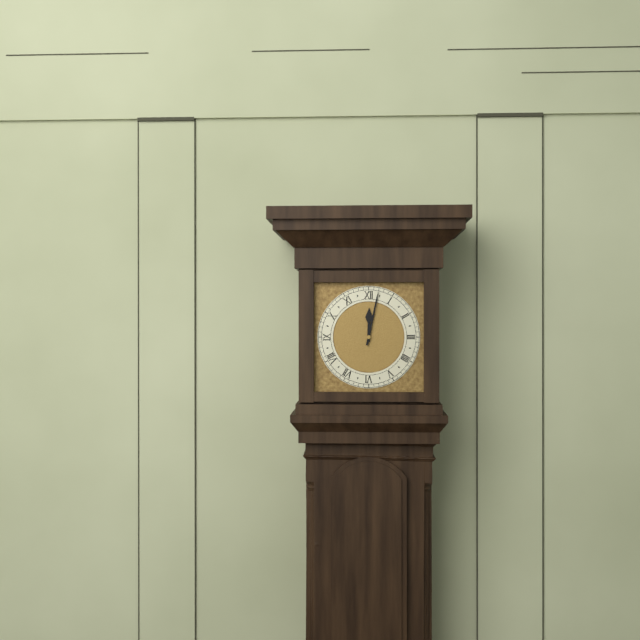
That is 12:02
